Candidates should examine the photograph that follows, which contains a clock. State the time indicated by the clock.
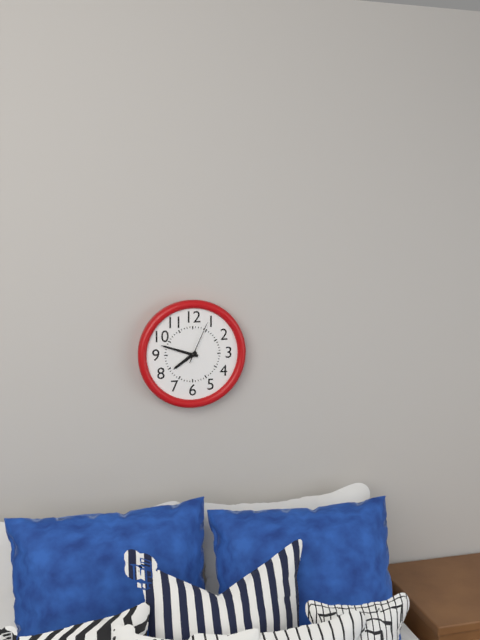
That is 7:48
